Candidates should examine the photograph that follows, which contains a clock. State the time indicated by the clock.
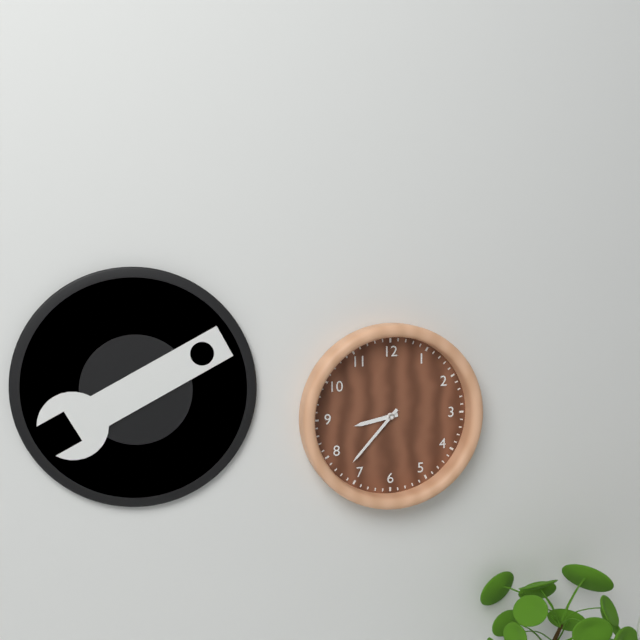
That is 8:37
